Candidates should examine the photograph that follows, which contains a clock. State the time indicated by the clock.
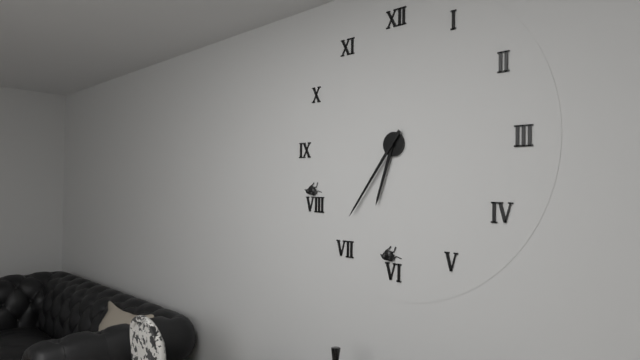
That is 6:36
